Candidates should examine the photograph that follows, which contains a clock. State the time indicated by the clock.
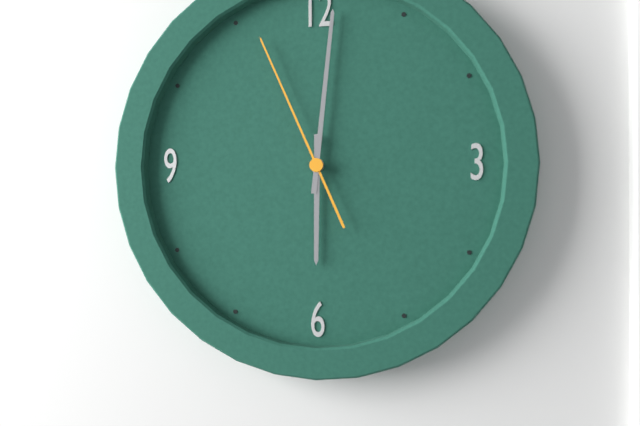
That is 6:01:56
